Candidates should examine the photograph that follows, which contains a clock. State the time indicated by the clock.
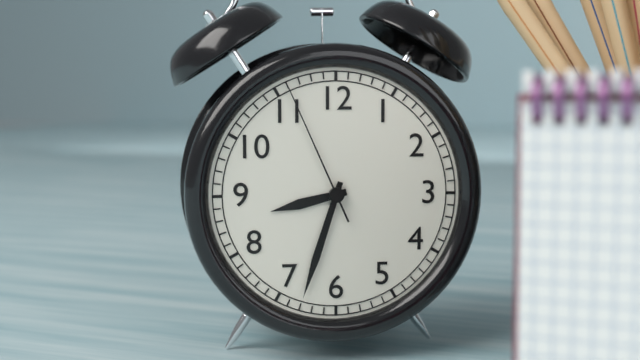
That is 8:33:56
